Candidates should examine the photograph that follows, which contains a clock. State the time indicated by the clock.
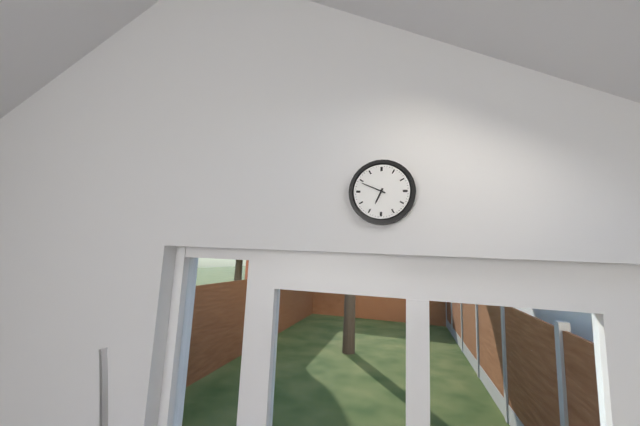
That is 6:49
